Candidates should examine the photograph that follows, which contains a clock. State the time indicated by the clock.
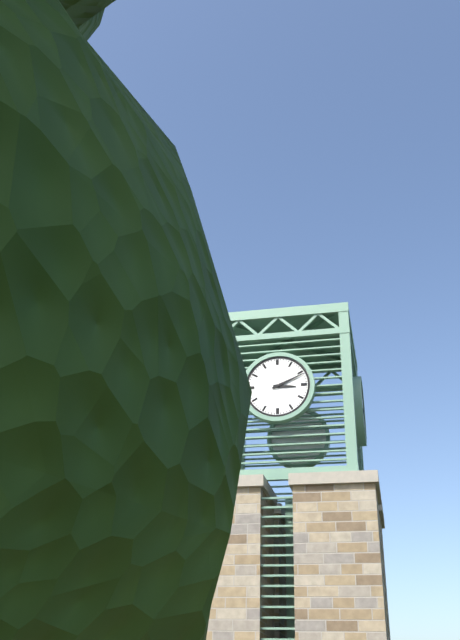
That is 3:11
